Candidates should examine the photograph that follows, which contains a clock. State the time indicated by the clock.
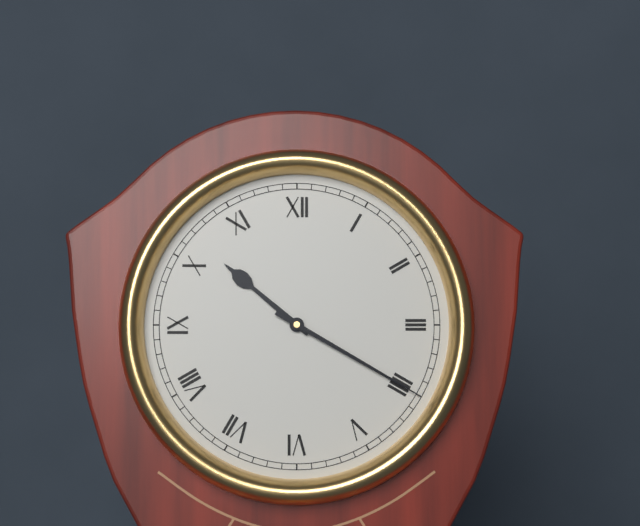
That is 10:20
